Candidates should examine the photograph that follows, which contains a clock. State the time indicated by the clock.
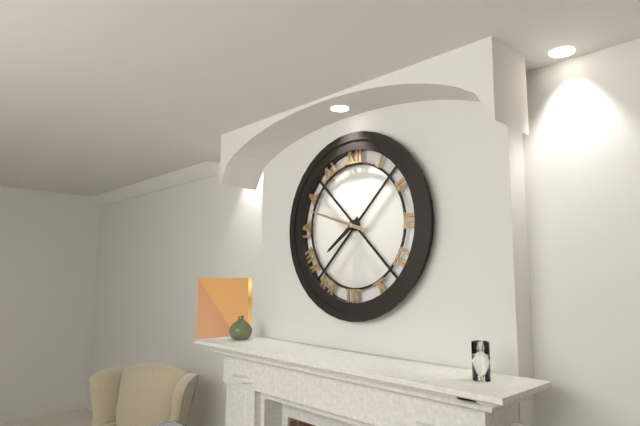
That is 7:48
